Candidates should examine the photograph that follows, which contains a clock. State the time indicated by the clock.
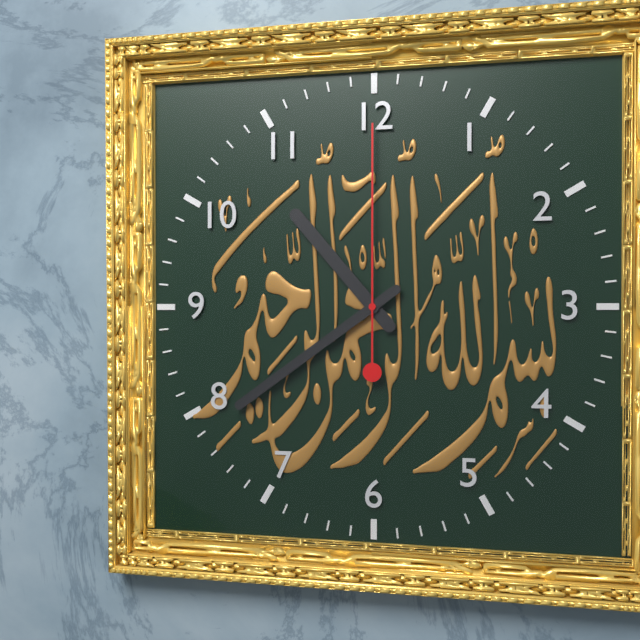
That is 10:39:00
